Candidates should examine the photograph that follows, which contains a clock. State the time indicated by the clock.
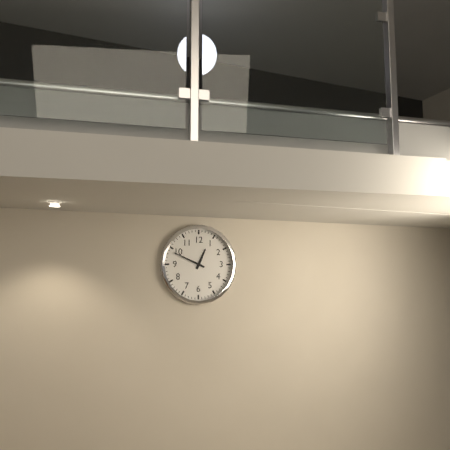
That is 12:49
